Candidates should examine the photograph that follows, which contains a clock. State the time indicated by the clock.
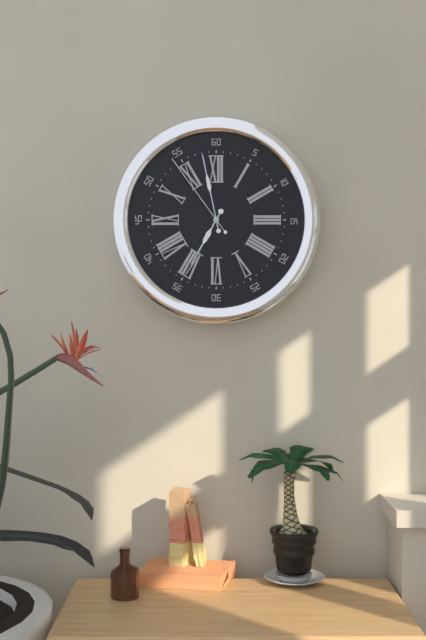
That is 6:58:54
